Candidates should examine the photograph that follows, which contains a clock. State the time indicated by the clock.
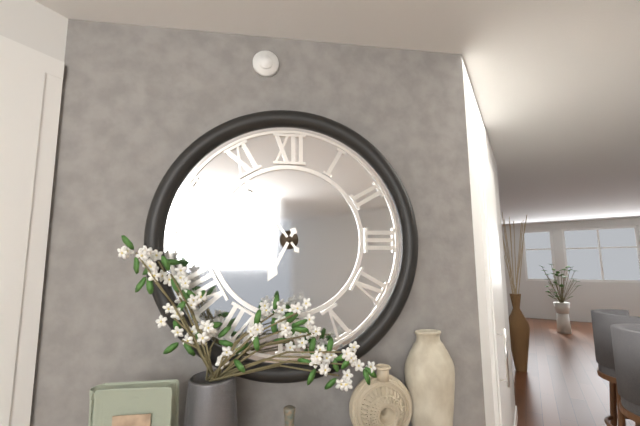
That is 6:54
